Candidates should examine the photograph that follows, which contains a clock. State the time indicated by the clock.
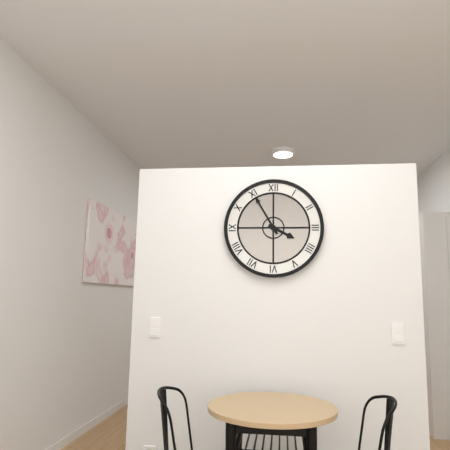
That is 3:55
